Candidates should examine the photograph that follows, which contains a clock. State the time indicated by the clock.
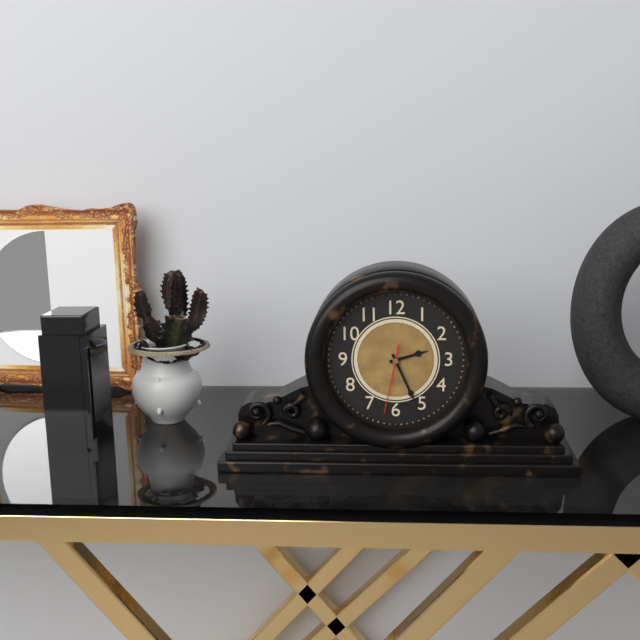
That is 2:26:32
